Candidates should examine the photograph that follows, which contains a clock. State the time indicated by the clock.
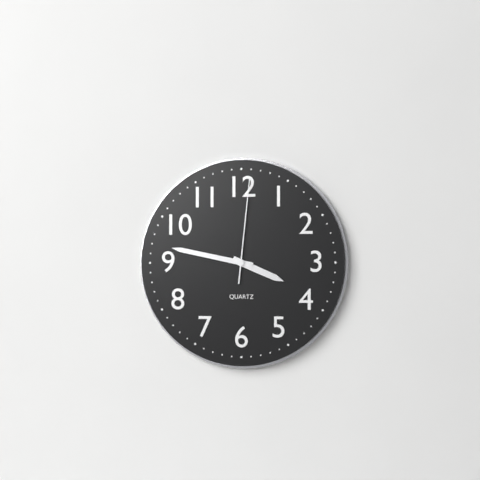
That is 3:47:01
